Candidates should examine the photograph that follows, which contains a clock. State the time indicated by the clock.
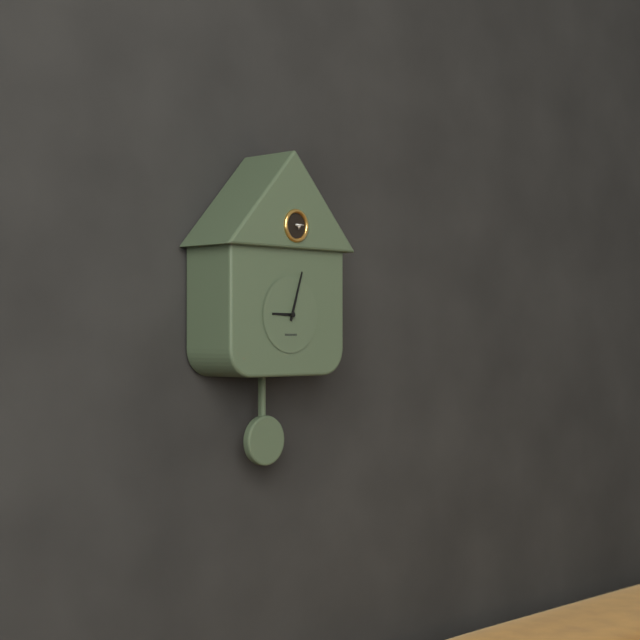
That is 9:03
